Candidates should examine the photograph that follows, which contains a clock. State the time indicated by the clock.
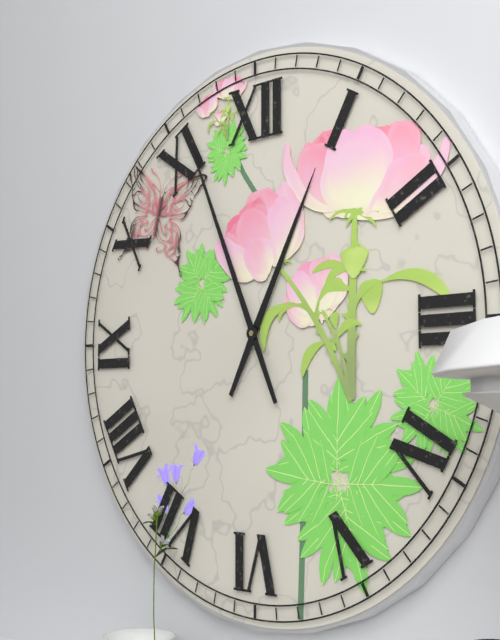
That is 12:56
